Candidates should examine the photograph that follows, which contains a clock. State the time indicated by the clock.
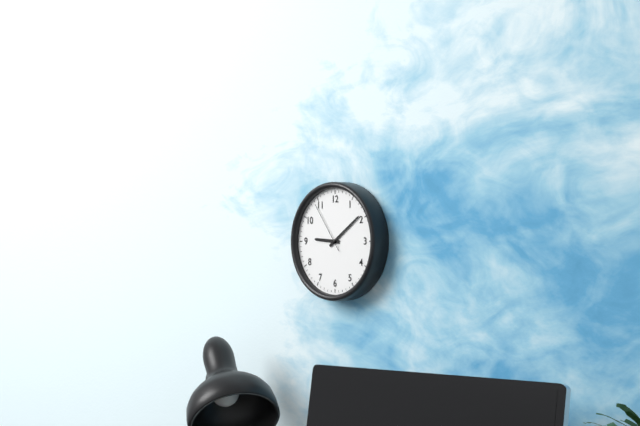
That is 9:09:54
